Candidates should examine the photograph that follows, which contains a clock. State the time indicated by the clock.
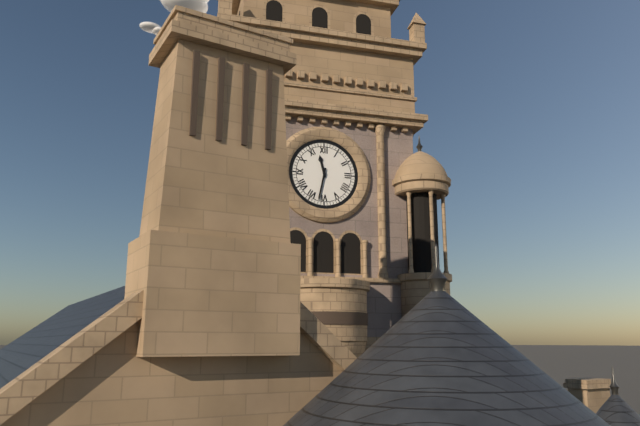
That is 11:32
